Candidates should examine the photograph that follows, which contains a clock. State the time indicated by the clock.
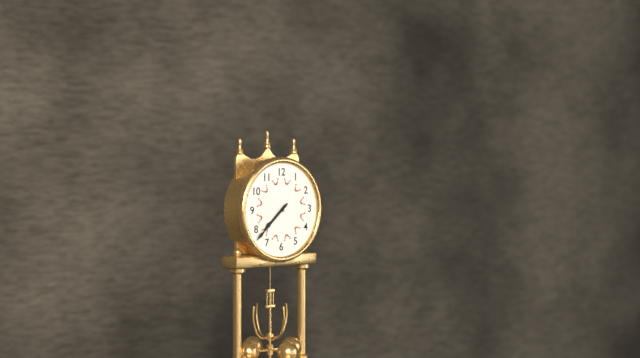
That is 7:38
